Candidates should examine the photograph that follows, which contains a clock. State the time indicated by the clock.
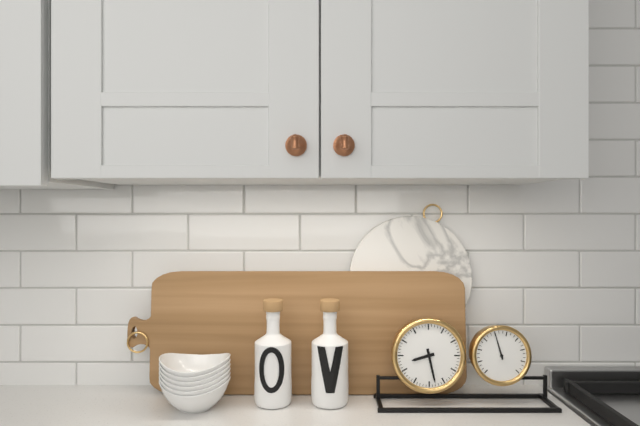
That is 8:28
